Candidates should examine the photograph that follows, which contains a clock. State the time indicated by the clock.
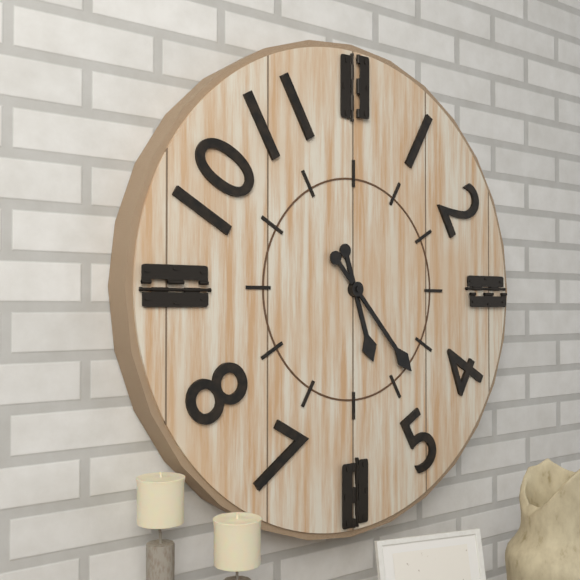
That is 5:23
